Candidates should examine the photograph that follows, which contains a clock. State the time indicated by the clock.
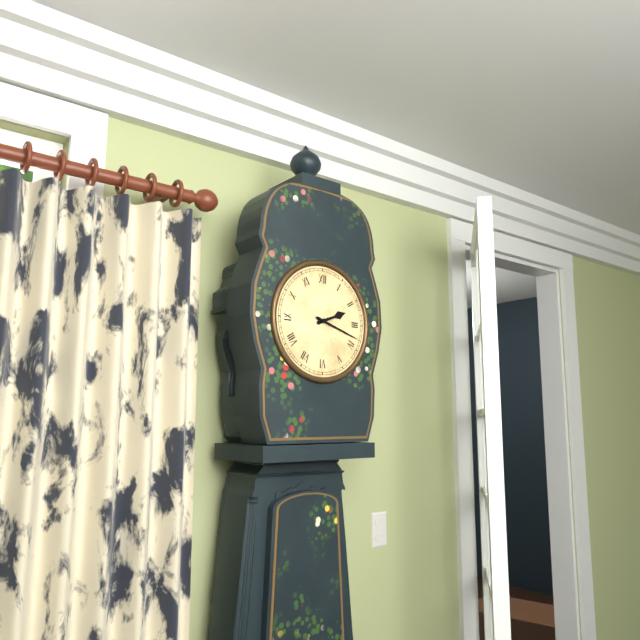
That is 2:18
